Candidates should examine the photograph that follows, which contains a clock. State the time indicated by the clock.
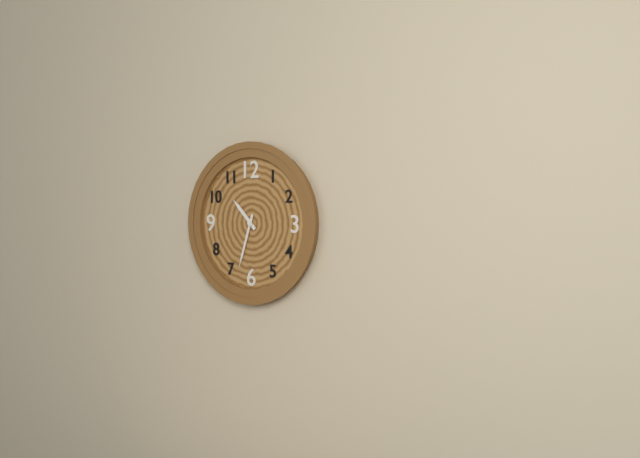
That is 10:33
